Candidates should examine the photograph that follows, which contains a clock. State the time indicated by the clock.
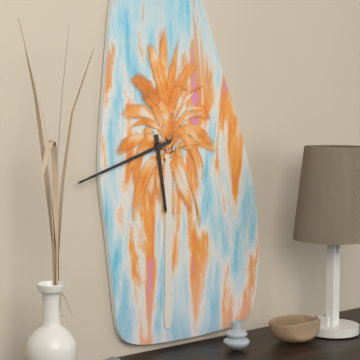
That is 5:42
